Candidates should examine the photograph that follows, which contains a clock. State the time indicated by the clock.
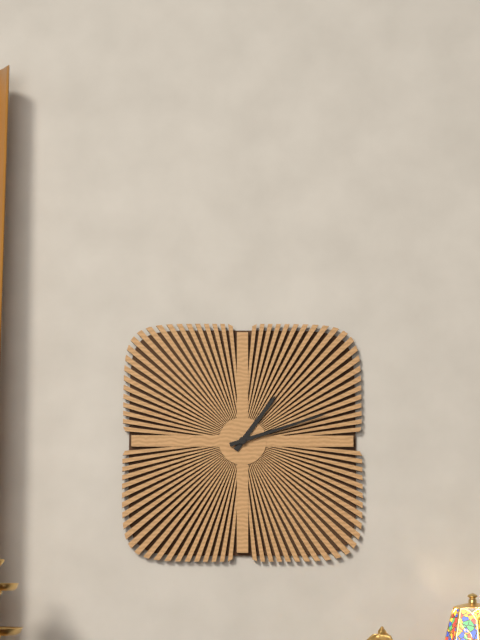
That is 1:12
